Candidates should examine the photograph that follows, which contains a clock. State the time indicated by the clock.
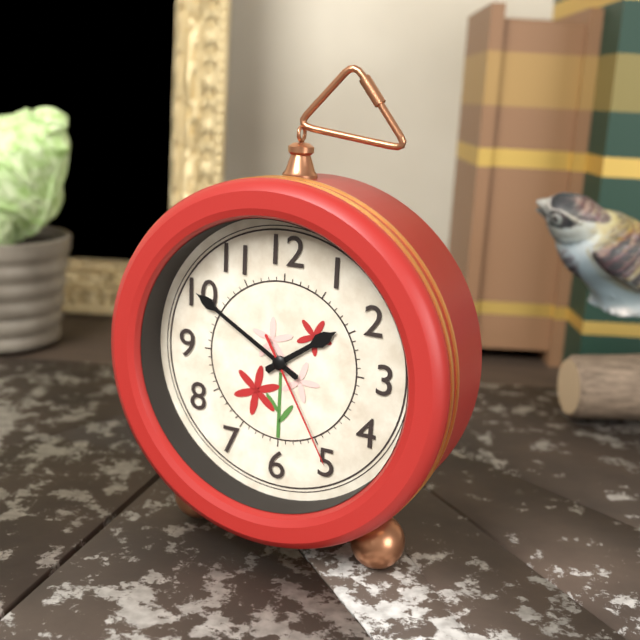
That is 1:50:25
